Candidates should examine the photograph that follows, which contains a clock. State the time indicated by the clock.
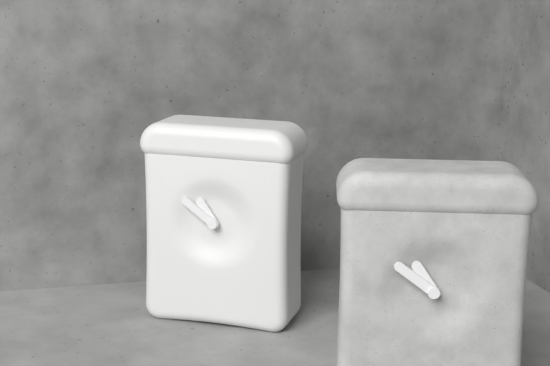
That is 10:51
